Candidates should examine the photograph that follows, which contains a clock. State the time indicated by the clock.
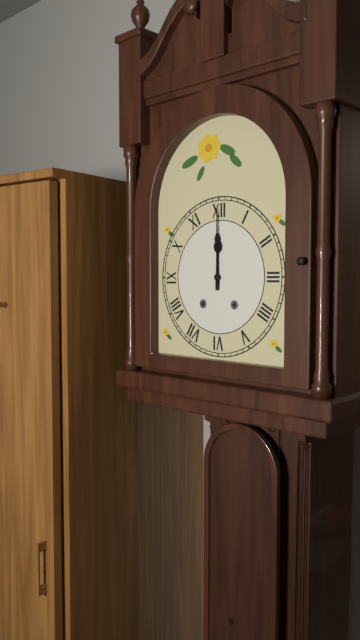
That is 12:00
